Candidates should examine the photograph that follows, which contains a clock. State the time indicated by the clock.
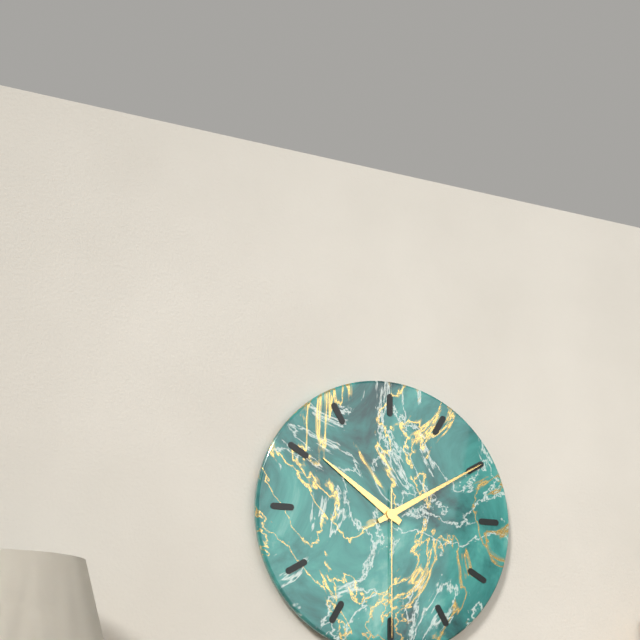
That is 10:10:30
